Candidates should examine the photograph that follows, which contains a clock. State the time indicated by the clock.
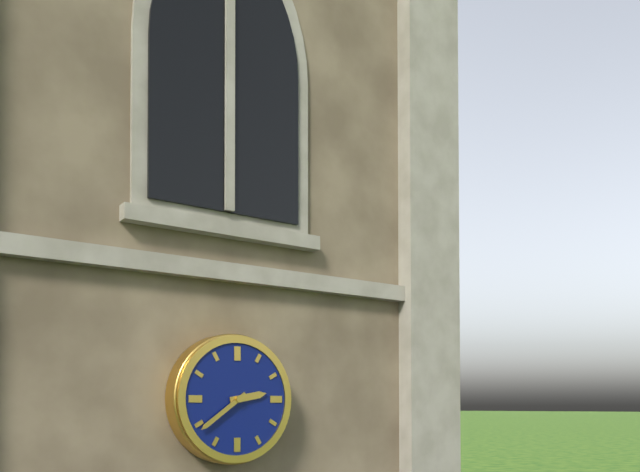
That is 2:39
